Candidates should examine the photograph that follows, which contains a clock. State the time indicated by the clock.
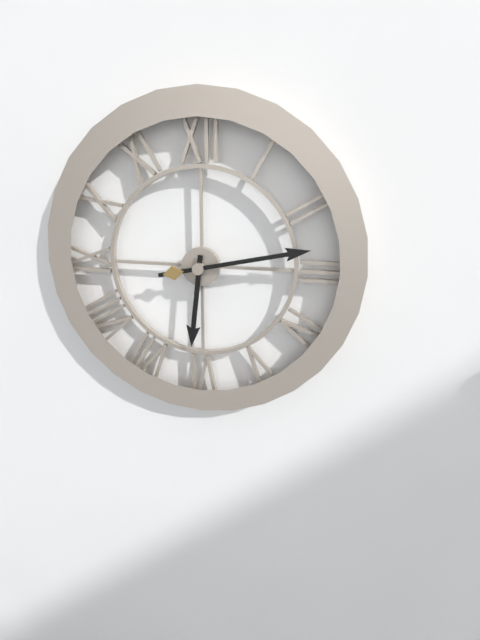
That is 6:13
